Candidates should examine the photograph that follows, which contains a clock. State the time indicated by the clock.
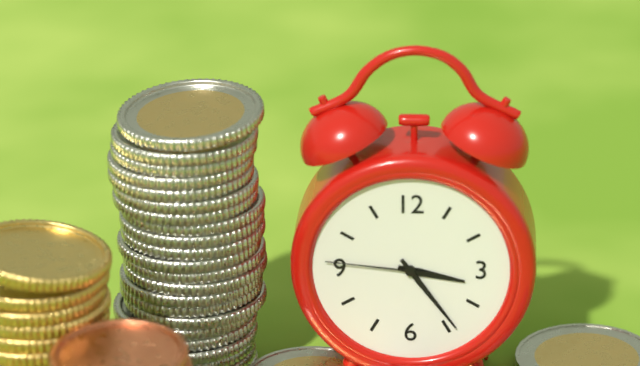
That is 3:24:46
